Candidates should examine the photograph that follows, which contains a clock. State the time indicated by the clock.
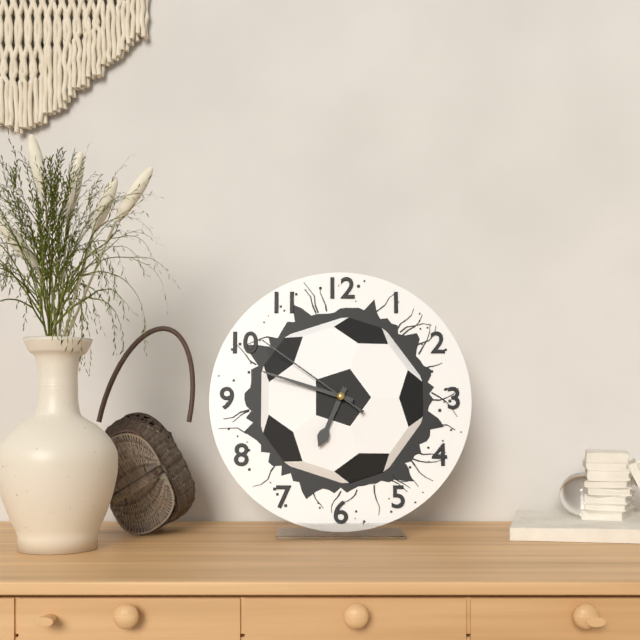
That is 6:48:51
